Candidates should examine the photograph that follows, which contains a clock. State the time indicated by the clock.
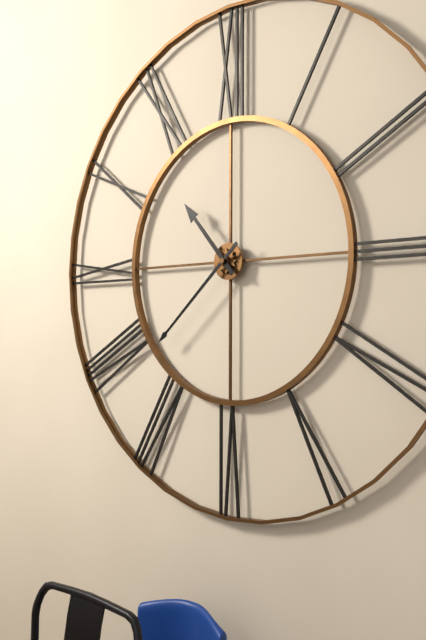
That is 10:38
